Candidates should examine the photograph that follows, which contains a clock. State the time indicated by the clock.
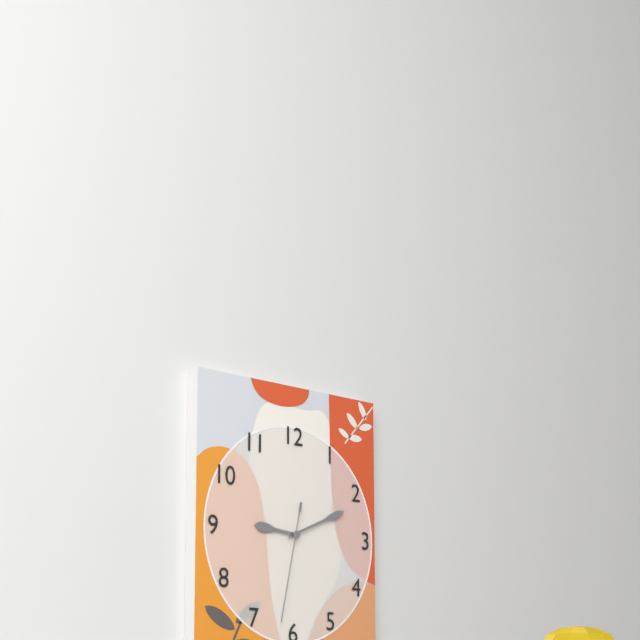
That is 9:11:32
